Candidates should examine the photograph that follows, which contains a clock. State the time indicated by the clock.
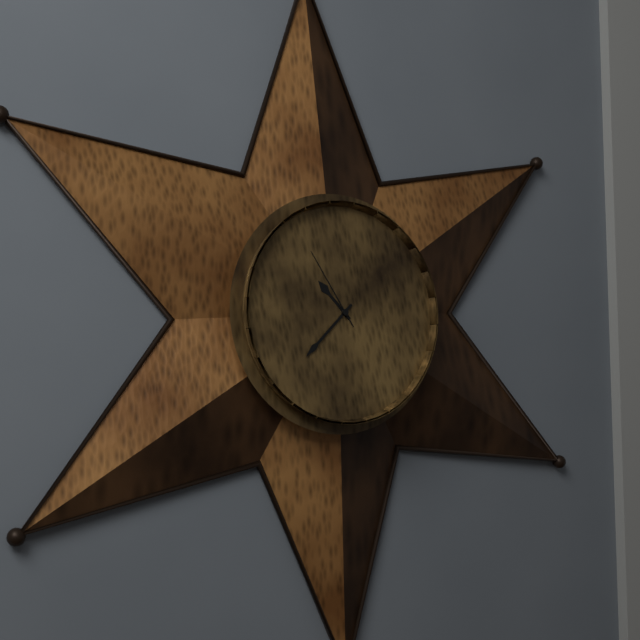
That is 10:38:55
